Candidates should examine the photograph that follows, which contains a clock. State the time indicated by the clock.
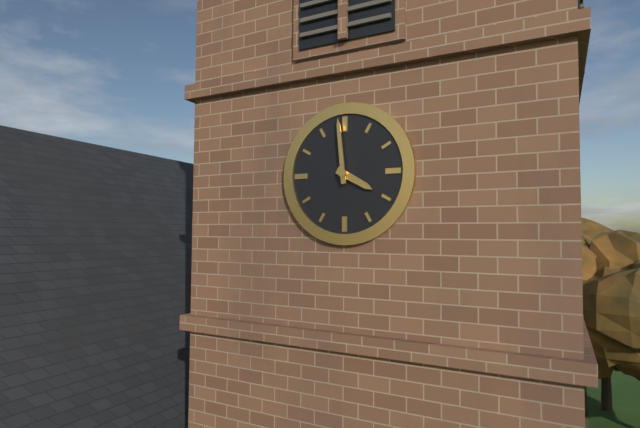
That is 3:59
